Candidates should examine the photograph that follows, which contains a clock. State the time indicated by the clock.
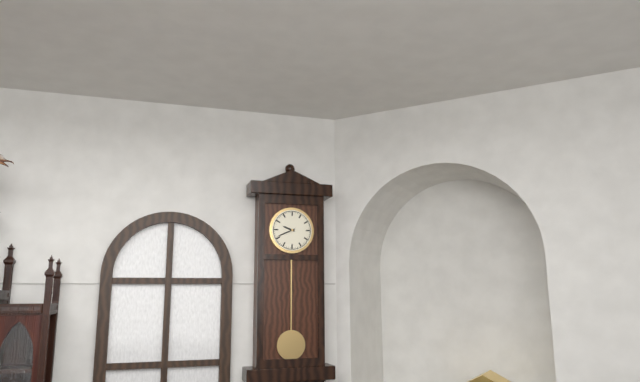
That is 9:41
